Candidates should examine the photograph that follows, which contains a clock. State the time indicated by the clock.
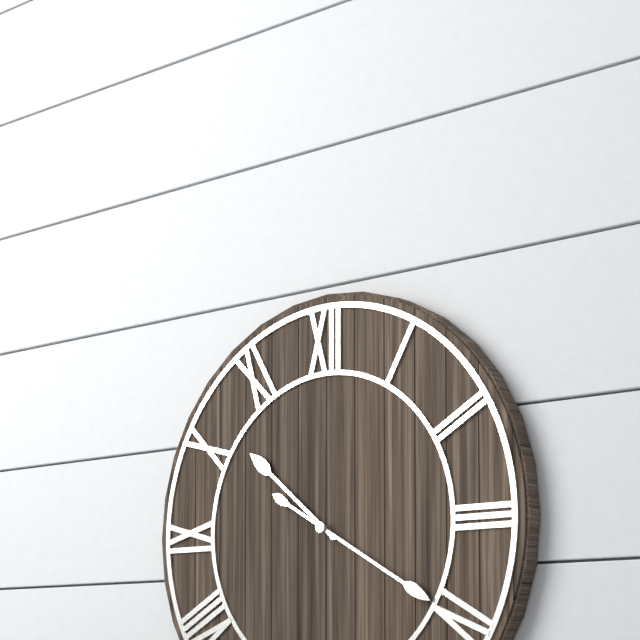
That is 10:20
